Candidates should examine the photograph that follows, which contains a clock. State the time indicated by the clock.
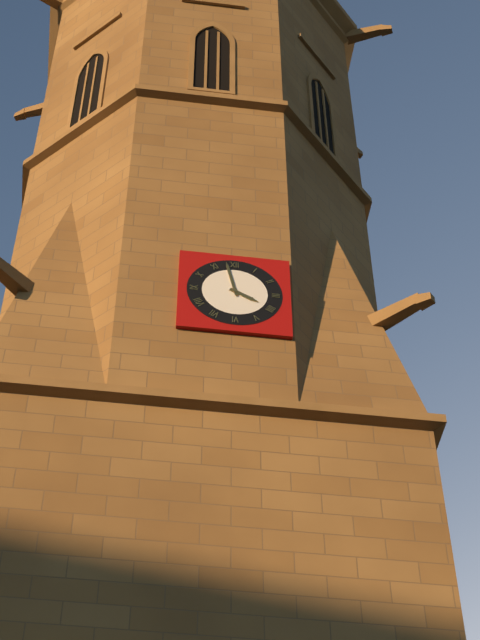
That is 3:58
